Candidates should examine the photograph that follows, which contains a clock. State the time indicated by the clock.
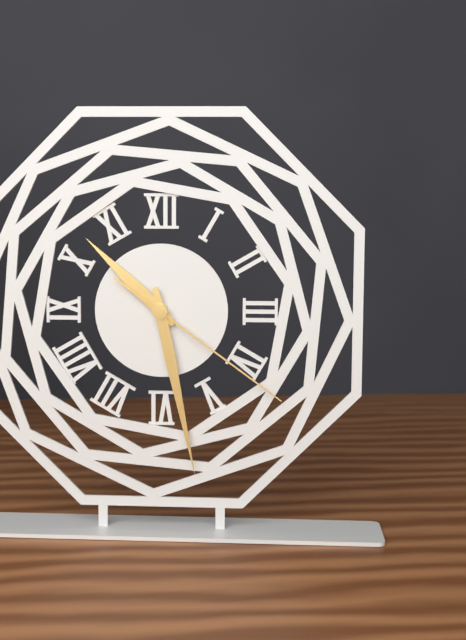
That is 10:28:21
